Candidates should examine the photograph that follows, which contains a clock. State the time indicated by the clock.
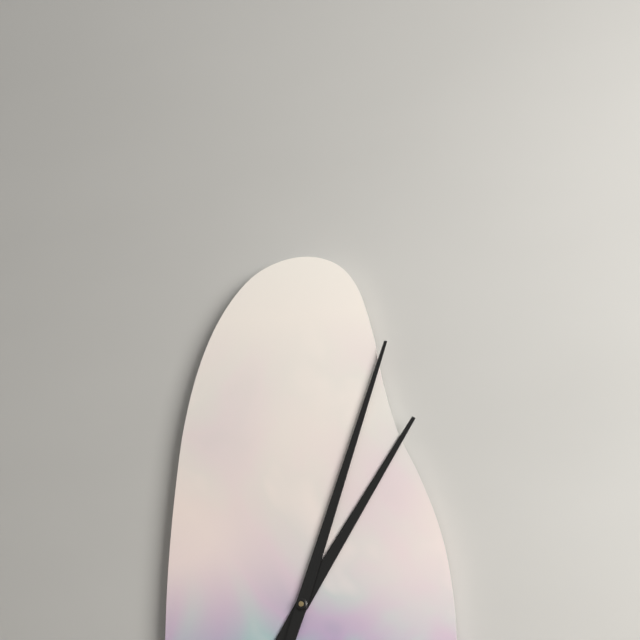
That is 1:03
